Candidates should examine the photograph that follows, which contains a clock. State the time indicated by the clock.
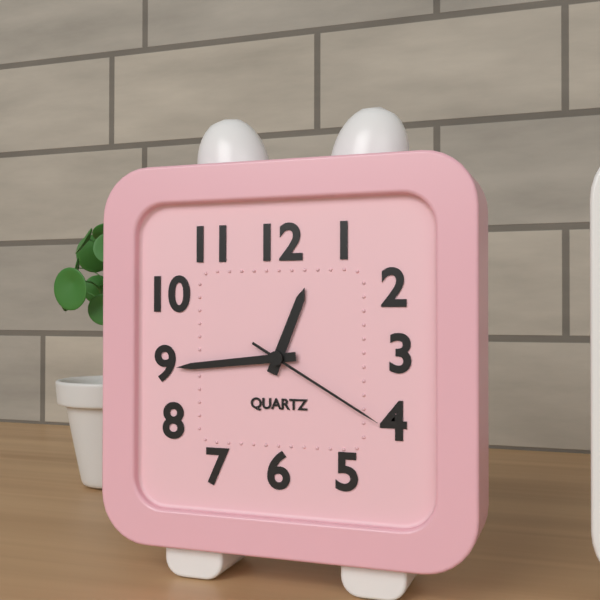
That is 12:44:20
